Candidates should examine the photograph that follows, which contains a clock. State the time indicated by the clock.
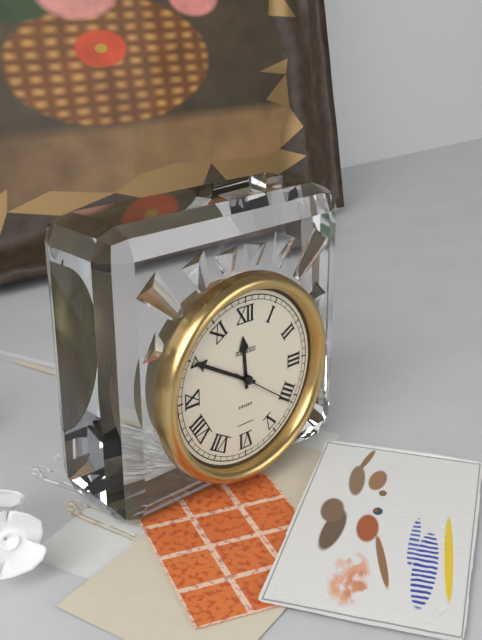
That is 11:50:21
